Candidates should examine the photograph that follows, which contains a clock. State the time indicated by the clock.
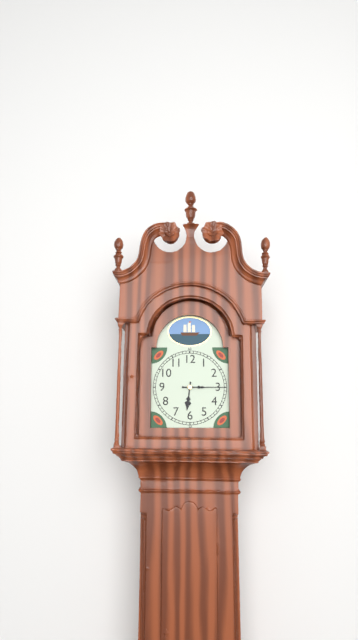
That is 6:15
